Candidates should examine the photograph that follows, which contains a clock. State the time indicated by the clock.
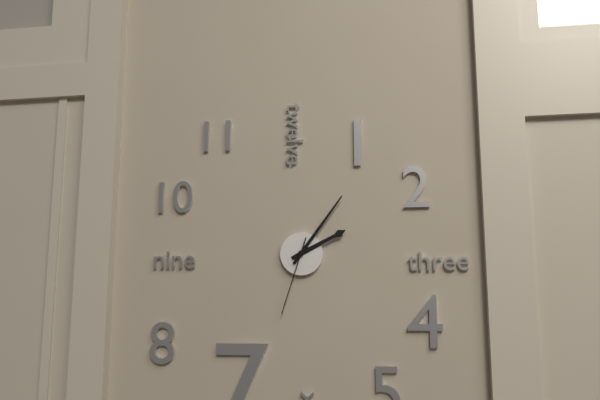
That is 2:06:33
